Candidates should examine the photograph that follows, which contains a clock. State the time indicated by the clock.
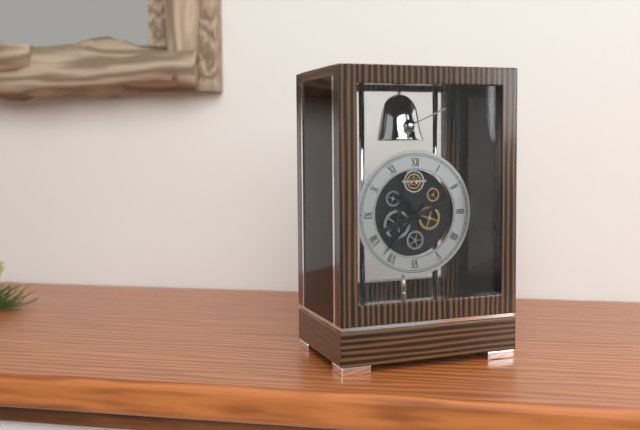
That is 10:37
